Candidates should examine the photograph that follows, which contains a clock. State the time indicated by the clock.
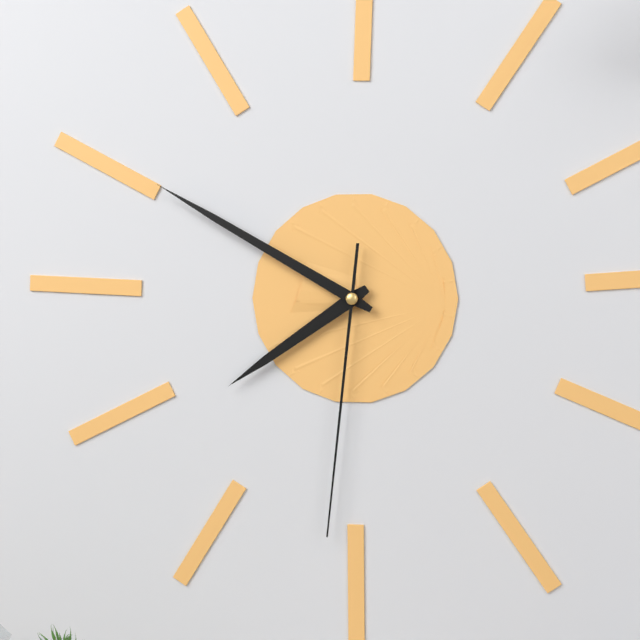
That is 7:50:31
